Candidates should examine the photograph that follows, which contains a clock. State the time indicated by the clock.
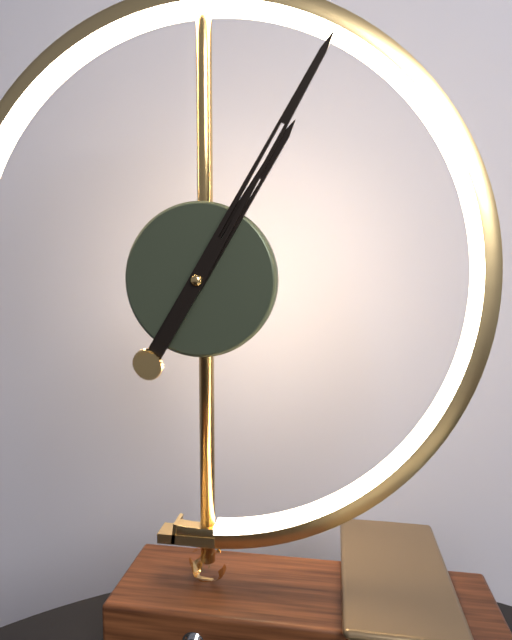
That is 1:05
